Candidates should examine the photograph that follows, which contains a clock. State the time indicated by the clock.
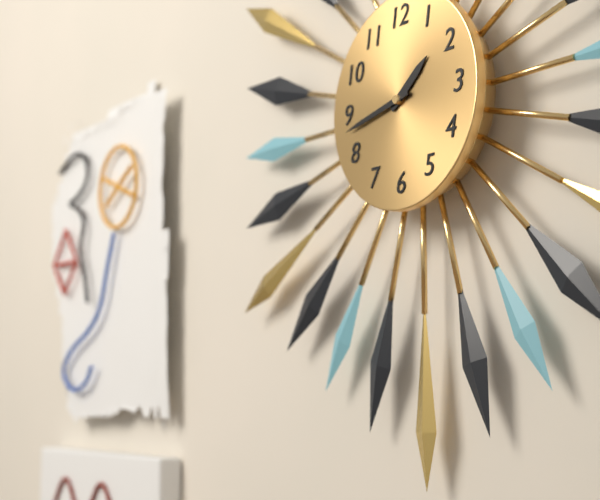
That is 1:43
